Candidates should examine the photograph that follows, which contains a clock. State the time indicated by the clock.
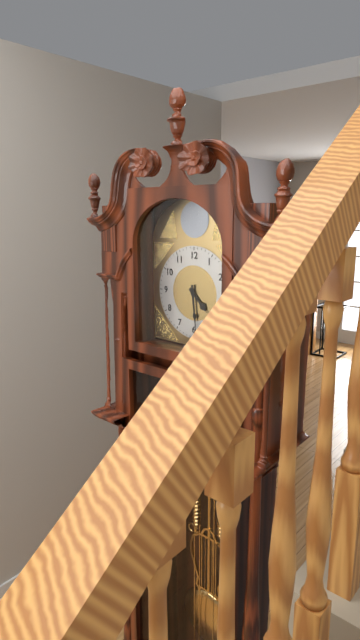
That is 4:29
